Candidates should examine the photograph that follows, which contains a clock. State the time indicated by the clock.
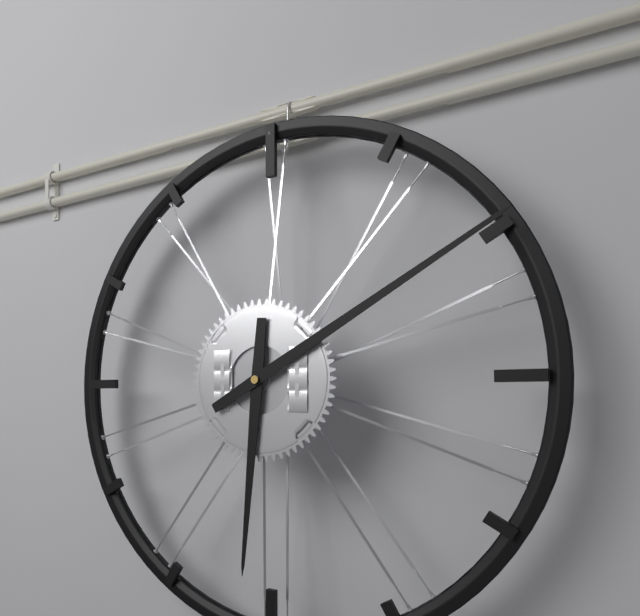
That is 6:10
